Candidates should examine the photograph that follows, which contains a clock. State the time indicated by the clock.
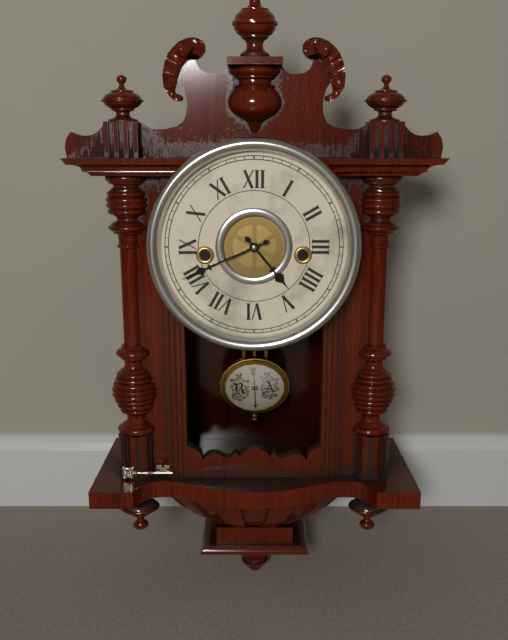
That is 4:41
